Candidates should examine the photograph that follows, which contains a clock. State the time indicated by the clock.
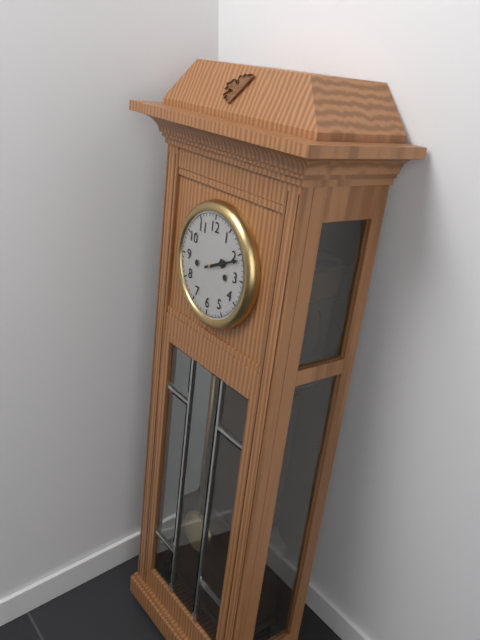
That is 2:11
